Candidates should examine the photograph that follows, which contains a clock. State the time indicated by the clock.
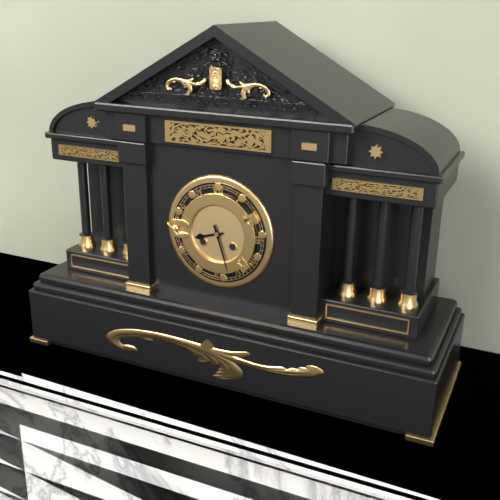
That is 8:27
